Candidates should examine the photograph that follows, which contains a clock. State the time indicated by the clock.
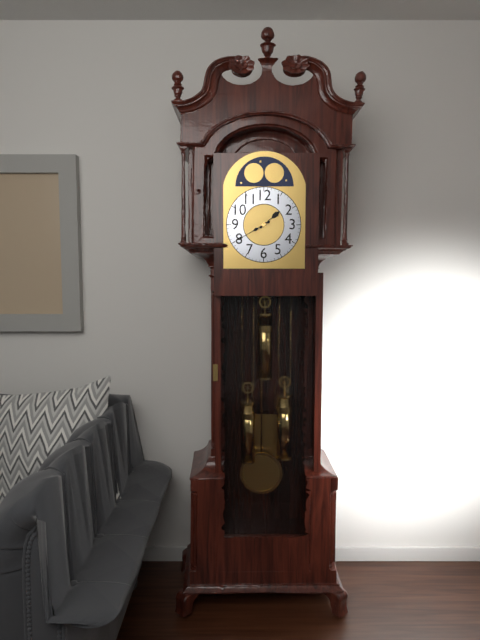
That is 1:40
